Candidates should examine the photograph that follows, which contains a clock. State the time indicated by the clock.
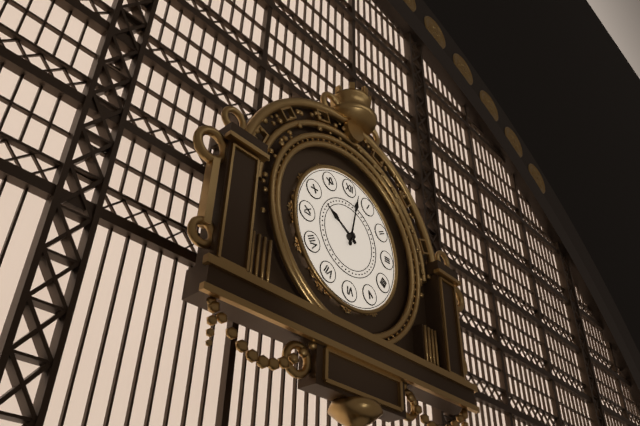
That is 10:02
